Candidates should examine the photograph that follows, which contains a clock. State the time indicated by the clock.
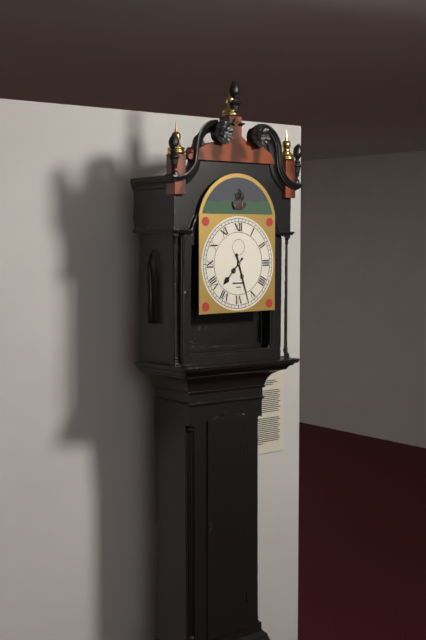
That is 7:27
